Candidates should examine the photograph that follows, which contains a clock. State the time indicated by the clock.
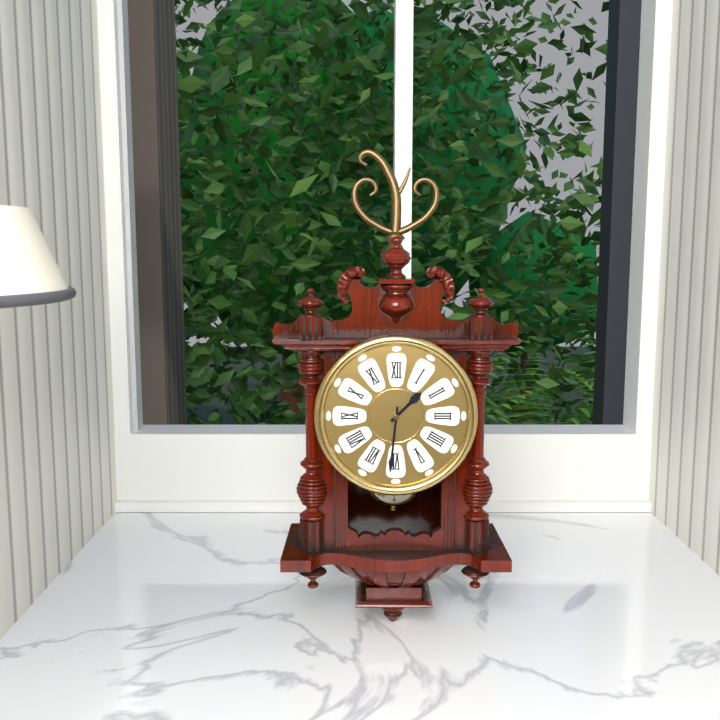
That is 1:31
